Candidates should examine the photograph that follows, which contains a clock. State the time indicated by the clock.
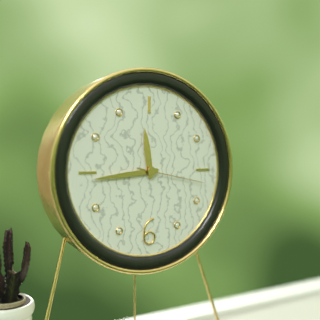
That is 11:44:17
